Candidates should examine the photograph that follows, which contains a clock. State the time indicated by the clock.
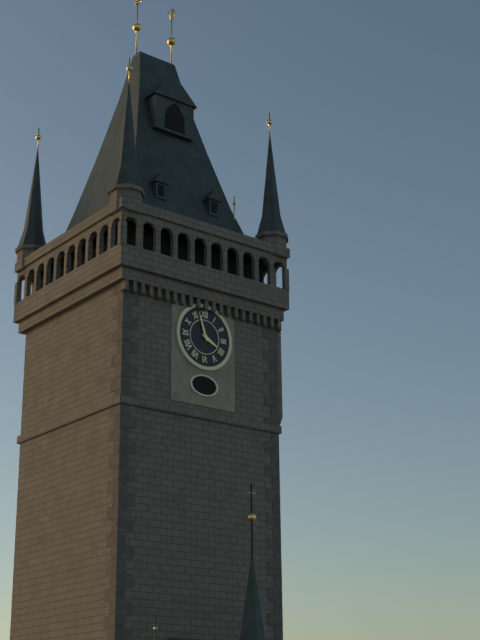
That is 3:57
